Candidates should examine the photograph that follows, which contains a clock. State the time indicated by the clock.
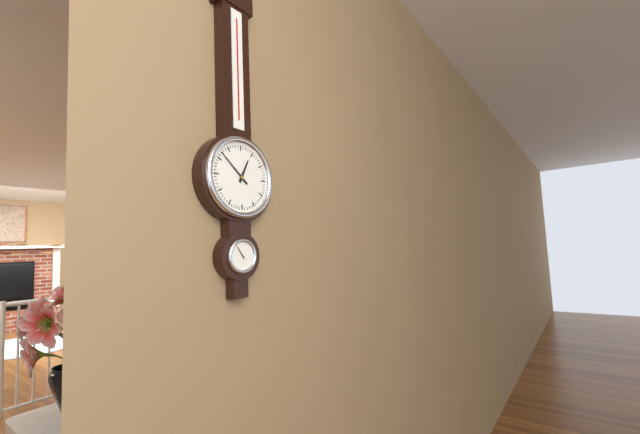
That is 12:52
